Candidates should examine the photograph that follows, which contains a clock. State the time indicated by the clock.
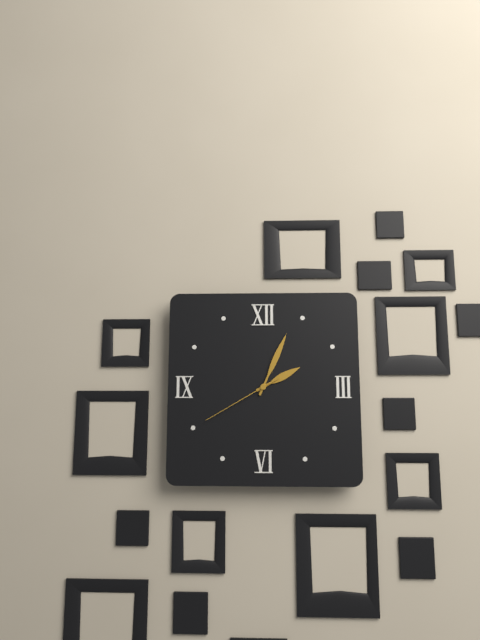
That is 2:04:40
